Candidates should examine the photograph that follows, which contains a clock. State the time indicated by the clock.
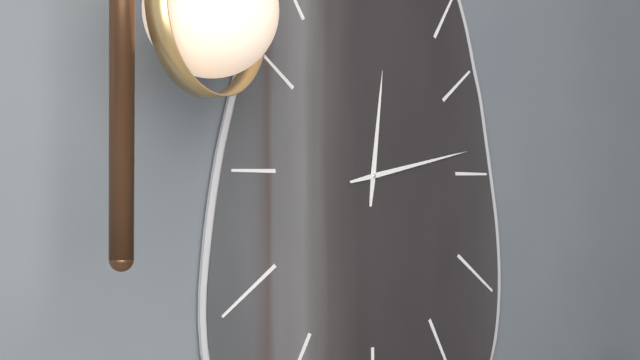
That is 12:13
